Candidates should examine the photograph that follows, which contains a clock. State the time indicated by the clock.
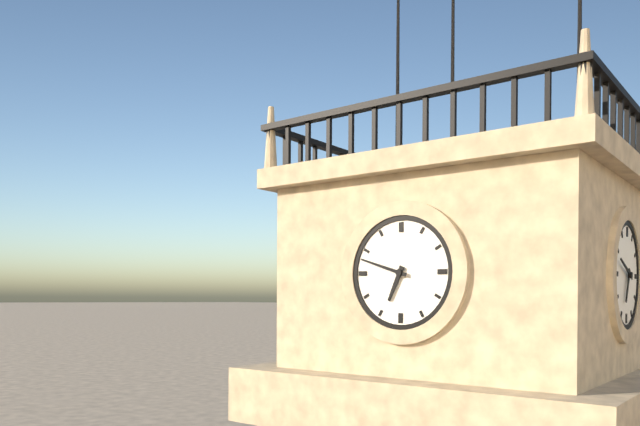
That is 6:48
